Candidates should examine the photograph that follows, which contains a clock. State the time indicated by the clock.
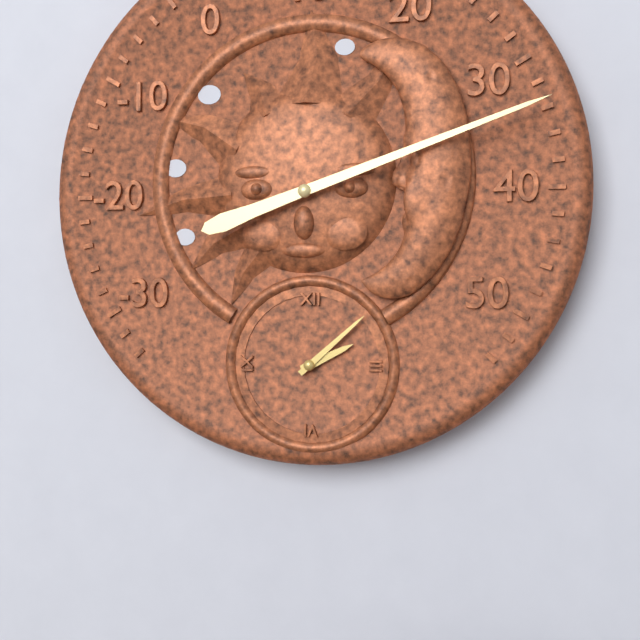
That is 2:08
